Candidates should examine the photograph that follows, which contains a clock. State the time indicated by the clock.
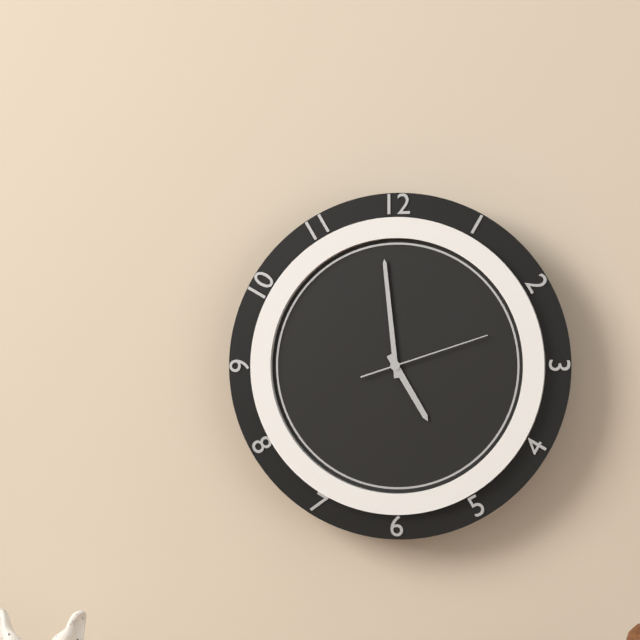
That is 4:59:12
